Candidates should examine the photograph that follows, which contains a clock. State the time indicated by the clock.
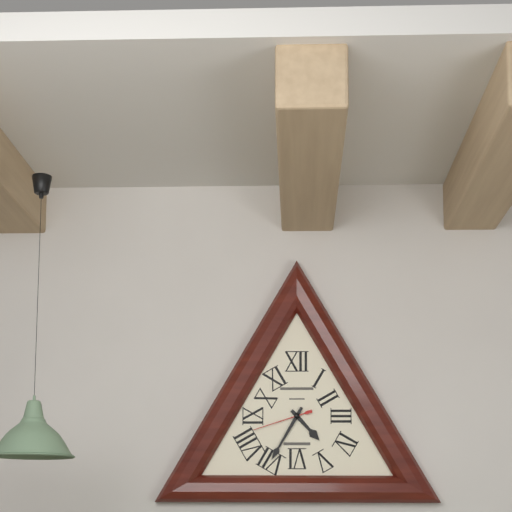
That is 4:35:42
